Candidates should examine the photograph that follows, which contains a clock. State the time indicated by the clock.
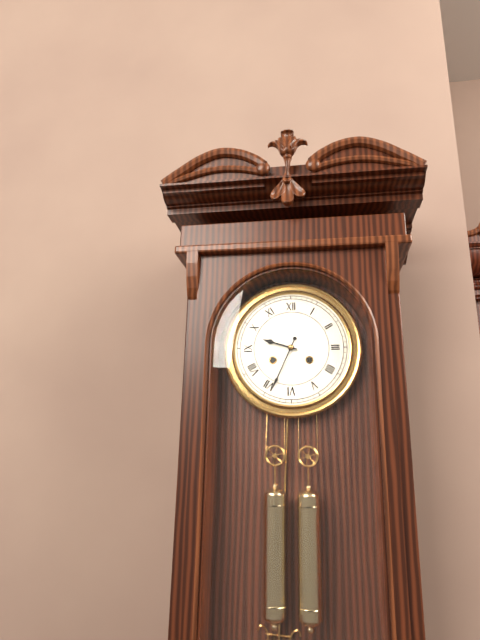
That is 9:34
